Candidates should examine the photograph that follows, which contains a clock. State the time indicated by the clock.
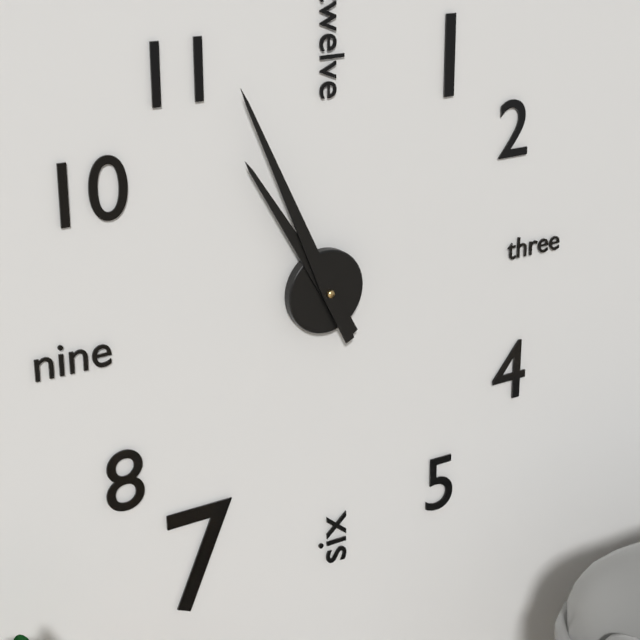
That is 10:56
